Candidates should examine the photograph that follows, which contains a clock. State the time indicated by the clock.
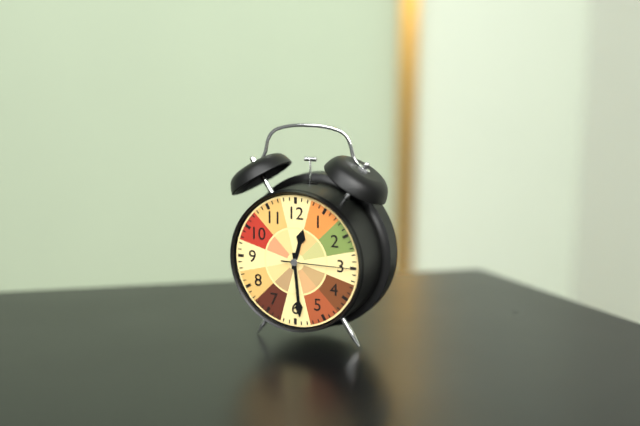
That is 12:29:15
